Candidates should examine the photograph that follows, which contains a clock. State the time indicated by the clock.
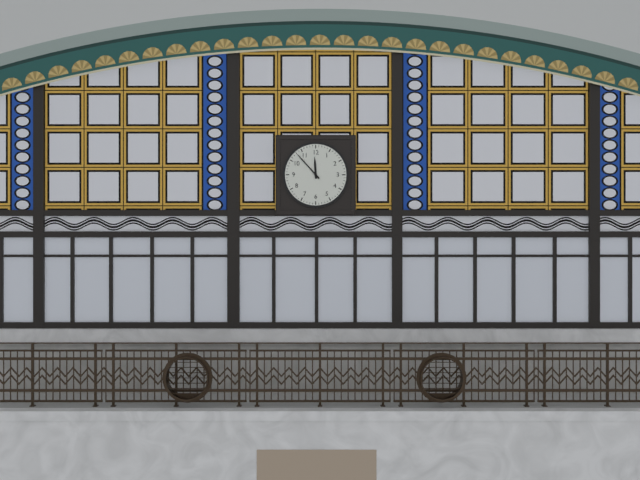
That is 11:53
